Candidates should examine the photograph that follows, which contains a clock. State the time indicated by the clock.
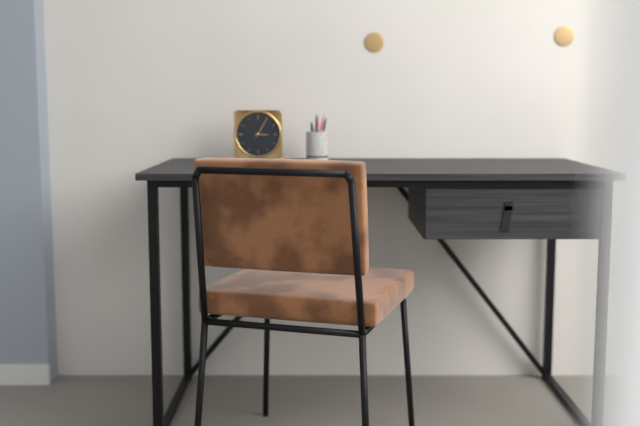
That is 3:05
